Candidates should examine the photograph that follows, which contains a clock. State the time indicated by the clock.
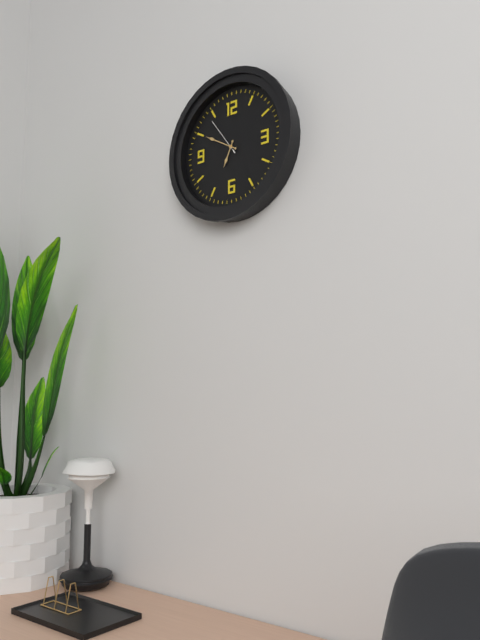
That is 6:50
